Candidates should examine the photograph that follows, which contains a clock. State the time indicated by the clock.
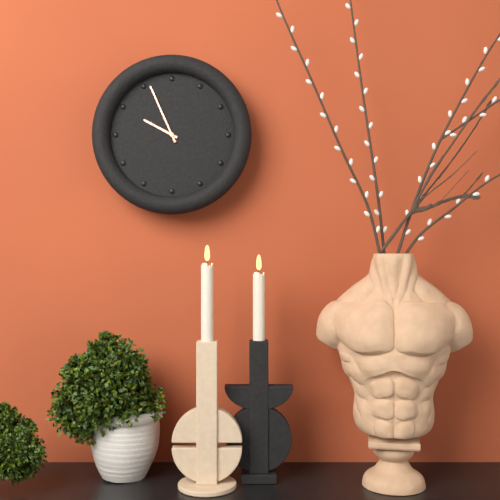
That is 9:56
